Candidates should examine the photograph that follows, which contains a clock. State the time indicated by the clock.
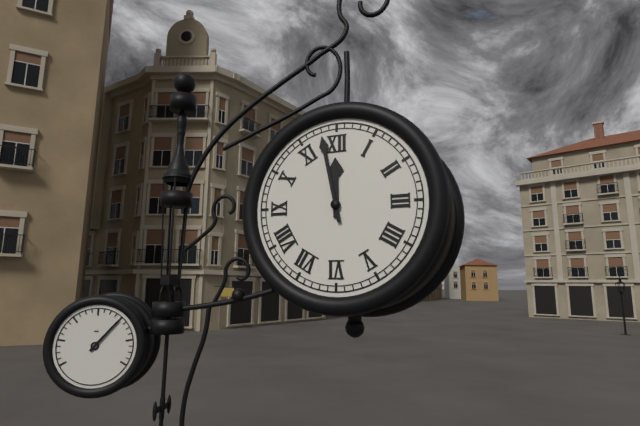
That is 11:58
